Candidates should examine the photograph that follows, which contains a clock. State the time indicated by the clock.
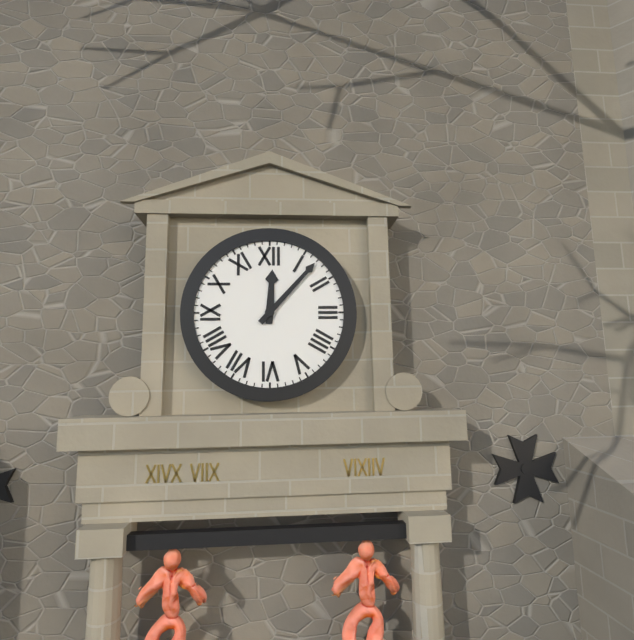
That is 12:07
